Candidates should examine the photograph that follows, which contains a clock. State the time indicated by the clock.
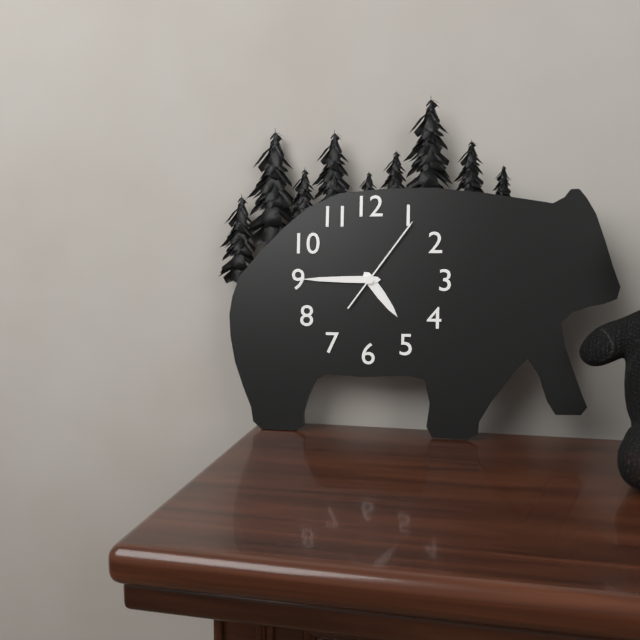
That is 4:45:06
